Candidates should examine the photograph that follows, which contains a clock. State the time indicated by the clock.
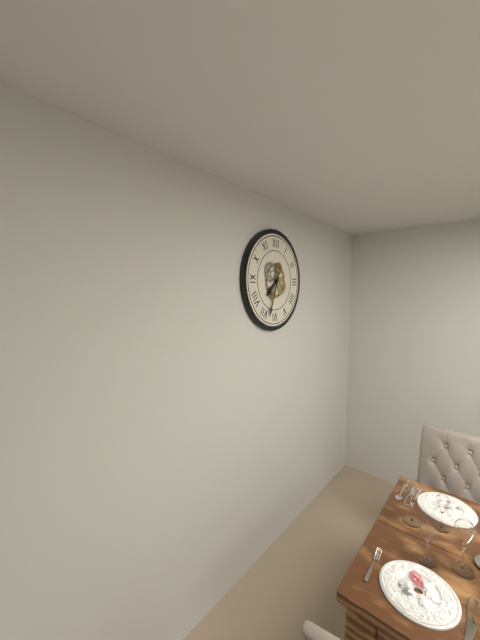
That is 7:33
